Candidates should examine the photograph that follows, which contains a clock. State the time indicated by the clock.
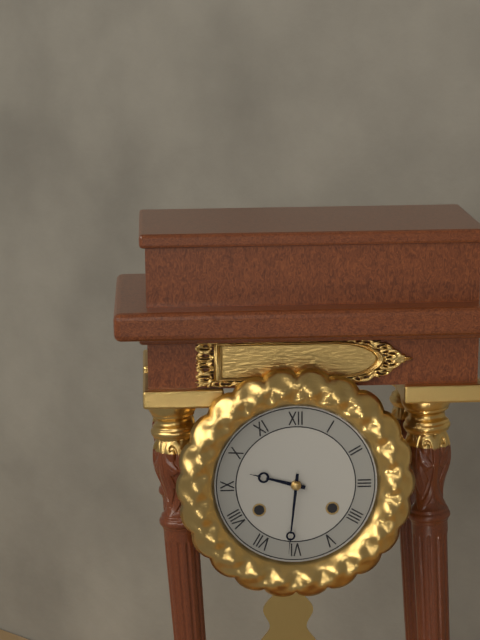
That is 9:31
